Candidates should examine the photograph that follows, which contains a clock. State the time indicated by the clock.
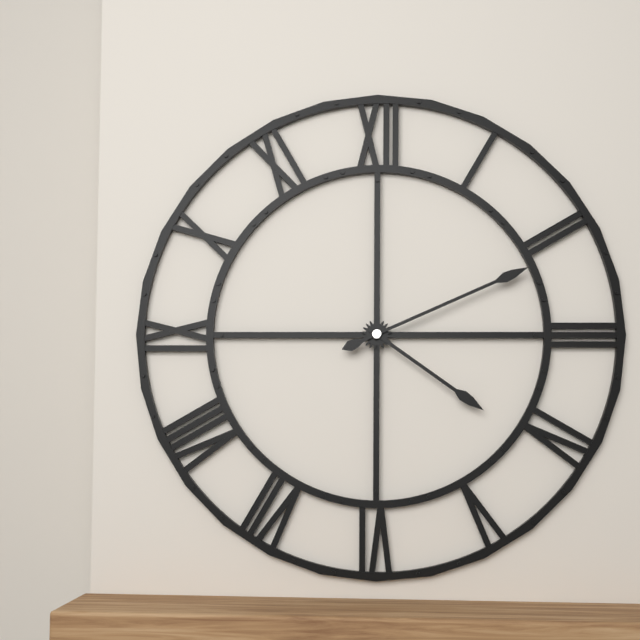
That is 4:11
